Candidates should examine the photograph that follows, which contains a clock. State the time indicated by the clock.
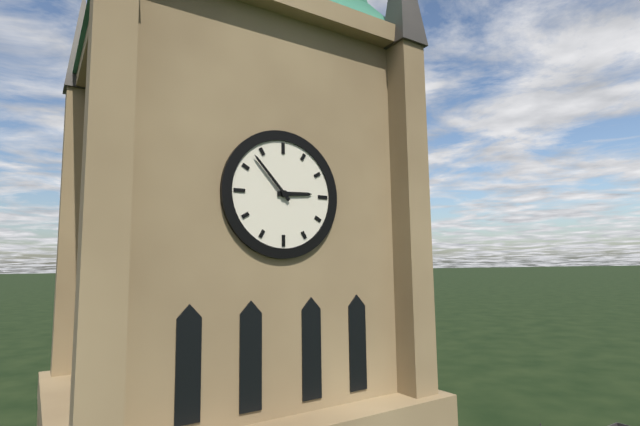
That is 2:53
